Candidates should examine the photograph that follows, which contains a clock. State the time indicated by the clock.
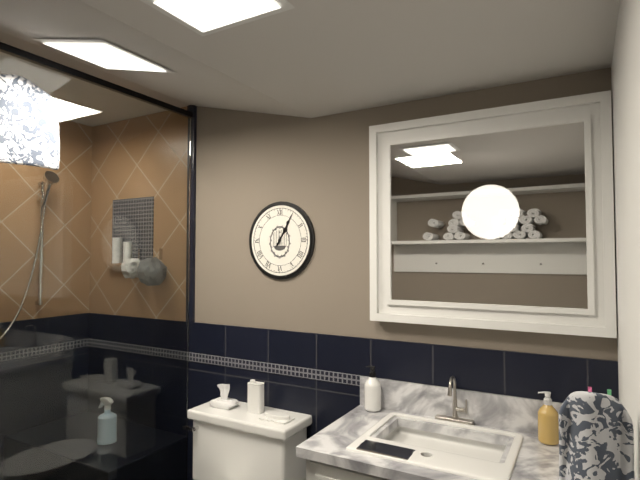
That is 1:05
